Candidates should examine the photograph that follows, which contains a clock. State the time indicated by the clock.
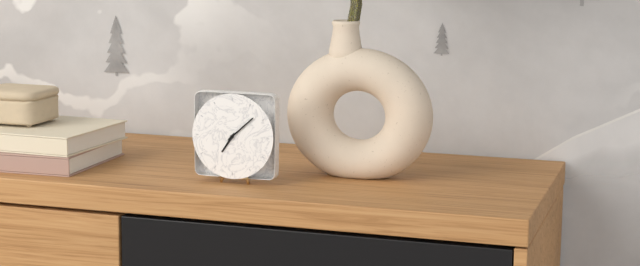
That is 7:08
